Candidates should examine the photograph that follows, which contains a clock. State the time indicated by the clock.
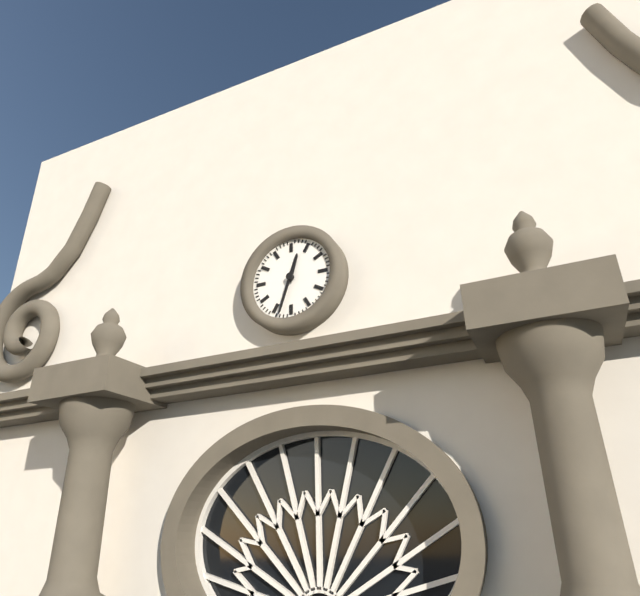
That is 12:33
